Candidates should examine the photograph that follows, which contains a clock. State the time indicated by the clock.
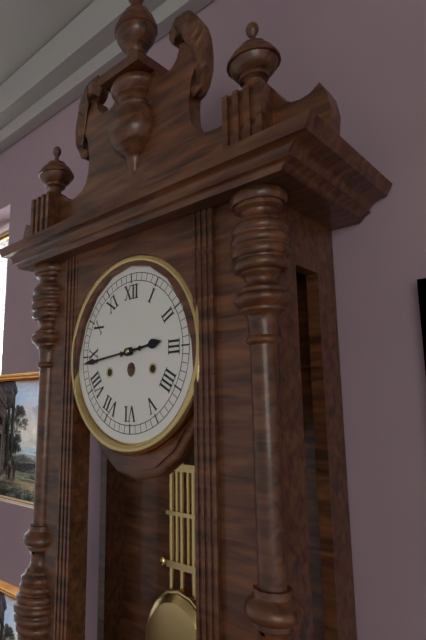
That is 2:44
